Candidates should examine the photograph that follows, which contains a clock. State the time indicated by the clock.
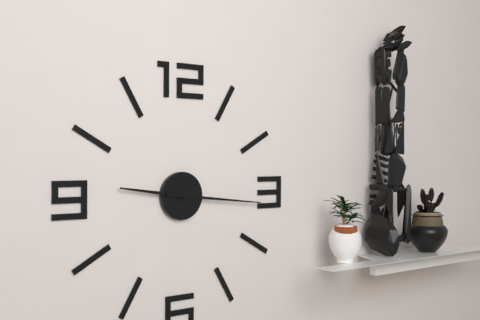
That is 9:16
